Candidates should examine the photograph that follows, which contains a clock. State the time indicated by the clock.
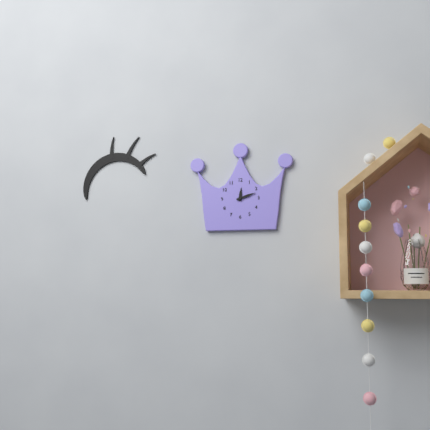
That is 12:12
